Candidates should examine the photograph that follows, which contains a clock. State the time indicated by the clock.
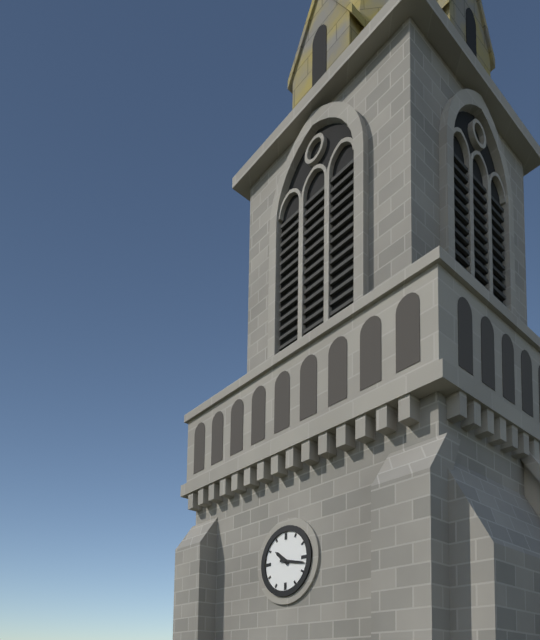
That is 10:17
